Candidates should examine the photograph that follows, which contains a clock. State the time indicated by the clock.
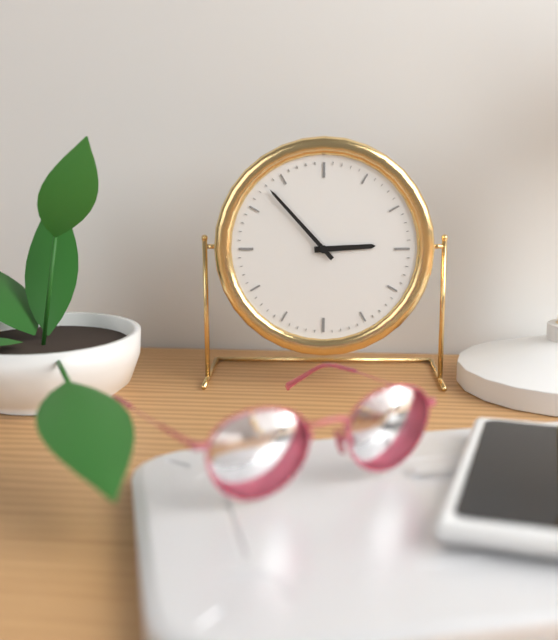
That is 2:53
